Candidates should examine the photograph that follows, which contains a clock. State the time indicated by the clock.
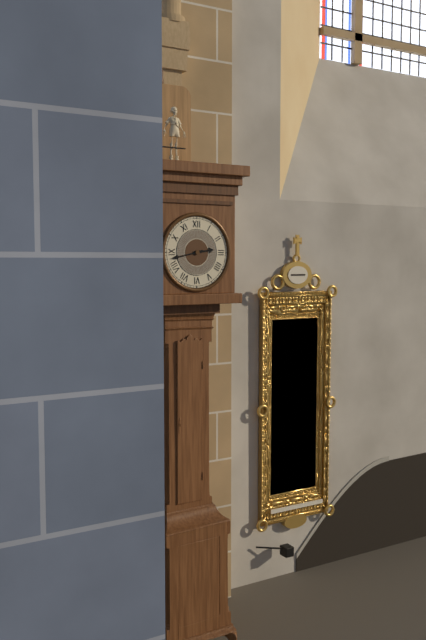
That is 2:43
